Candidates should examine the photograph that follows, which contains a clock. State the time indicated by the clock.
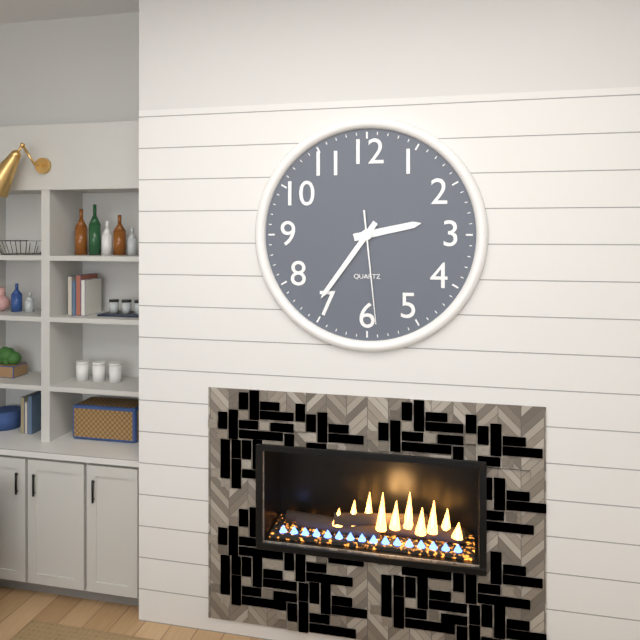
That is 2:36:29
